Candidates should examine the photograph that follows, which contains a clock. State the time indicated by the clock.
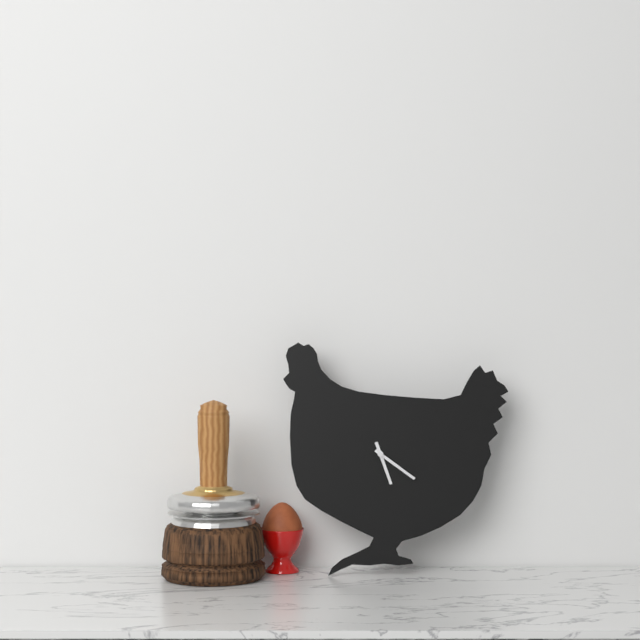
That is 5:21
